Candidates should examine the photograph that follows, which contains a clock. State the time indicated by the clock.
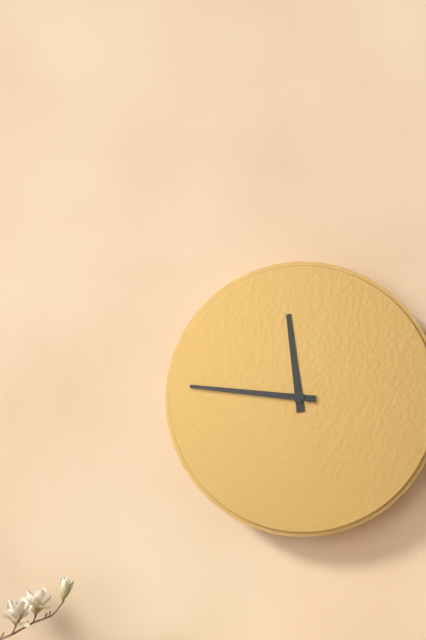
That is 11:46
